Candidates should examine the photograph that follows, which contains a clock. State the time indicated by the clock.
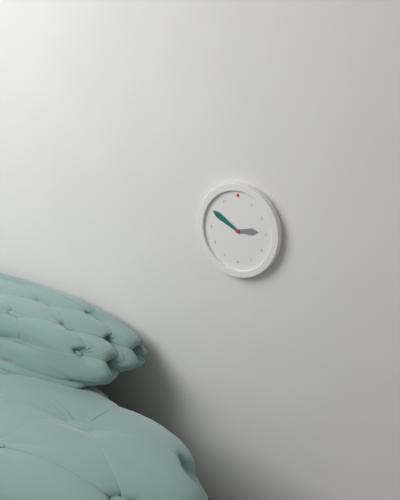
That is 2:50
